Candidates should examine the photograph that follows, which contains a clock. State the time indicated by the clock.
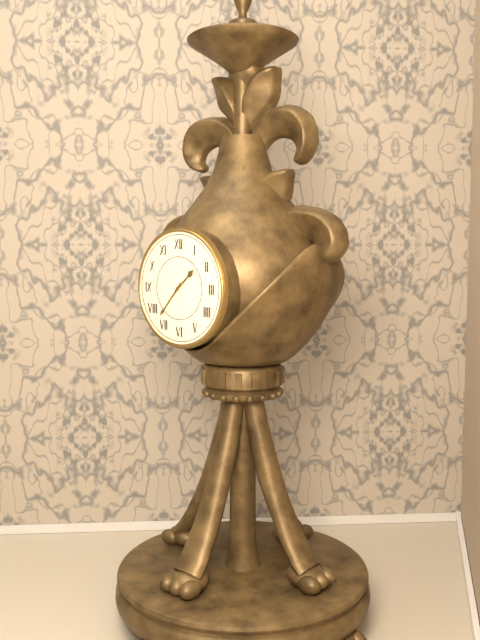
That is 1:37
